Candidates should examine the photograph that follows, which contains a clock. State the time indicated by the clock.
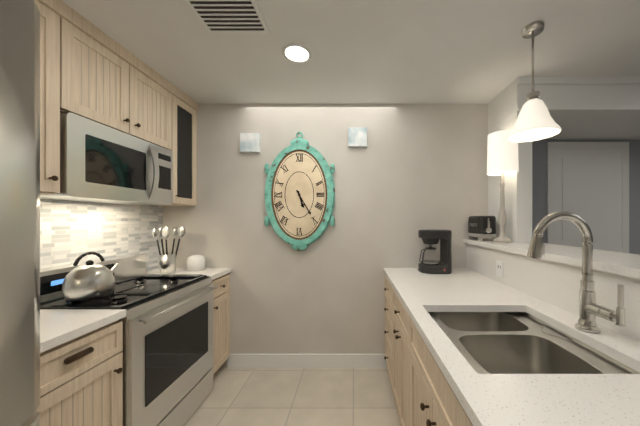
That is 5:25
